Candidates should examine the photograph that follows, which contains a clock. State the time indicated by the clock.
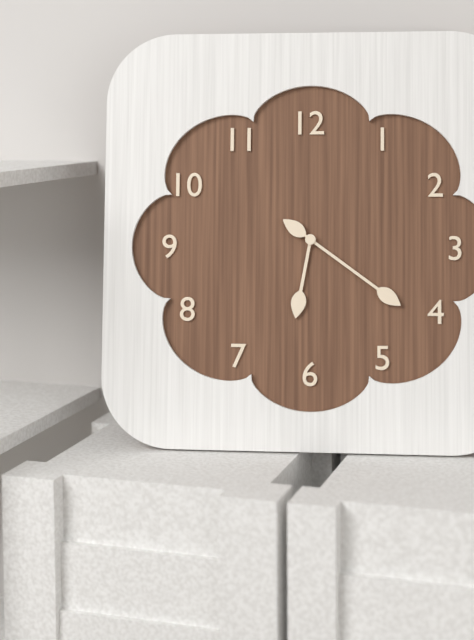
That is 6:21
